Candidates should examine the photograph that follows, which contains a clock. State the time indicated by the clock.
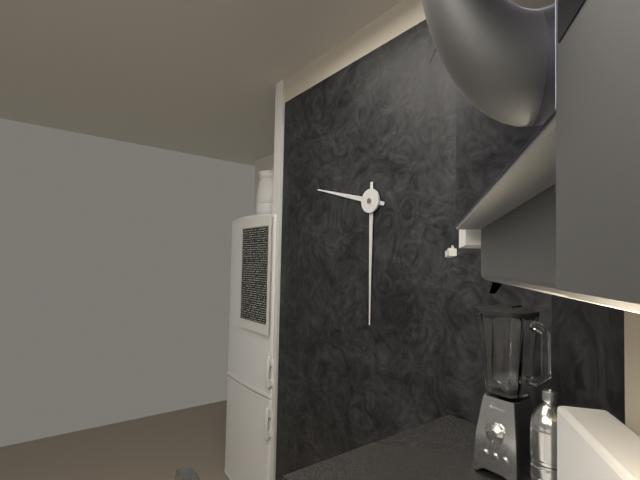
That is 9:30
